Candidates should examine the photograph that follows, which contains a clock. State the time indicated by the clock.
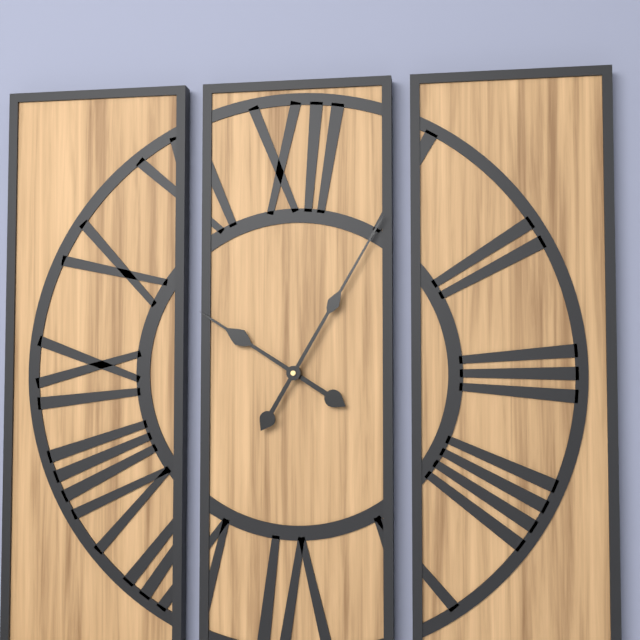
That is 10:05
